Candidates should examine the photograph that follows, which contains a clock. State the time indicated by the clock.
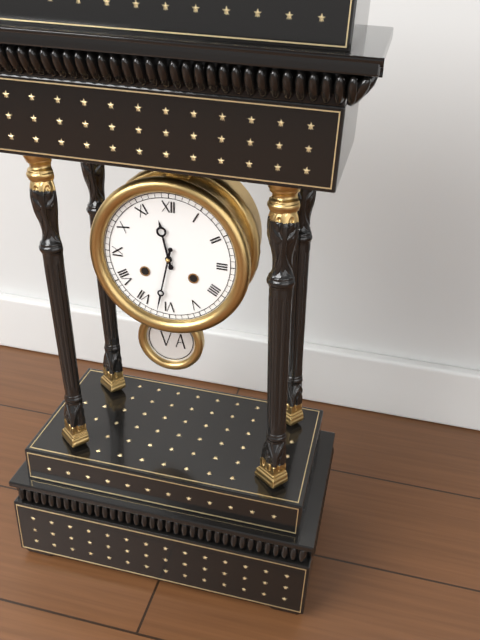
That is 11:32
